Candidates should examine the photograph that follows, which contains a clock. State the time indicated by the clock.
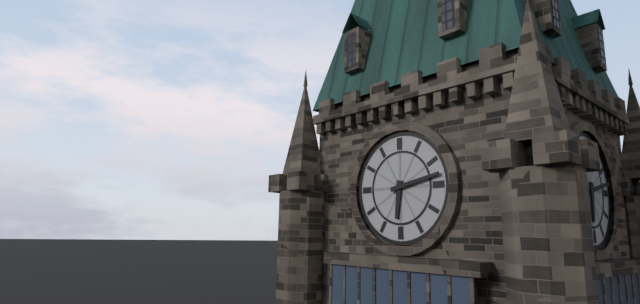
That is 6:13
